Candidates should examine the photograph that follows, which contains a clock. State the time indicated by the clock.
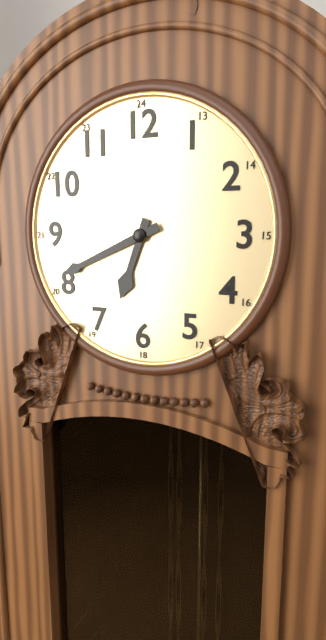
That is 6:41
